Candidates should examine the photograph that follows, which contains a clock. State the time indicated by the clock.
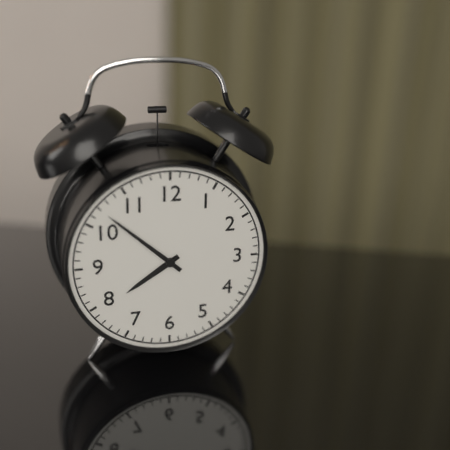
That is 7:52
